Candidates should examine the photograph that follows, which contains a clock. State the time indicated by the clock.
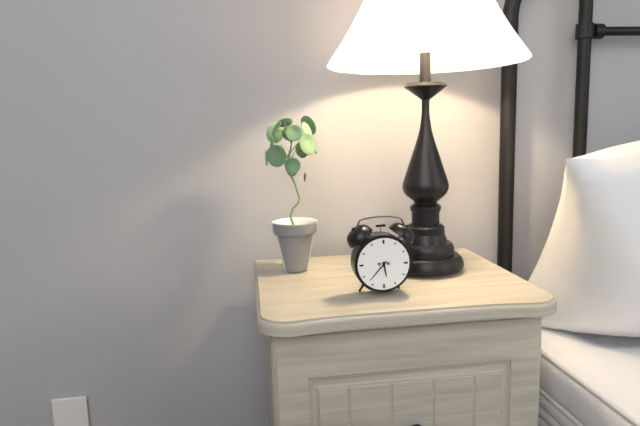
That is 5:37
